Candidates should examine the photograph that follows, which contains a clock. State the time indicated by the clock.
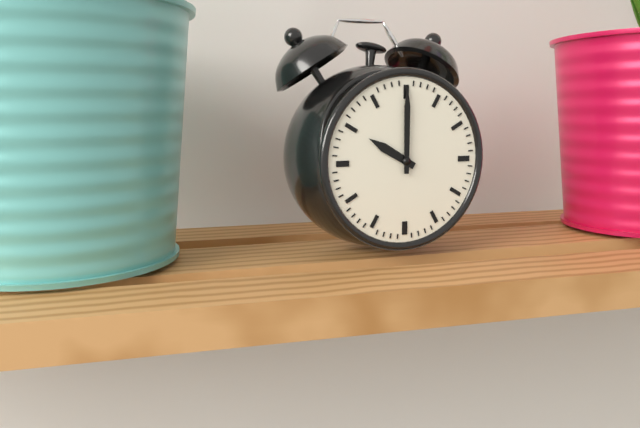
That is 10:00
